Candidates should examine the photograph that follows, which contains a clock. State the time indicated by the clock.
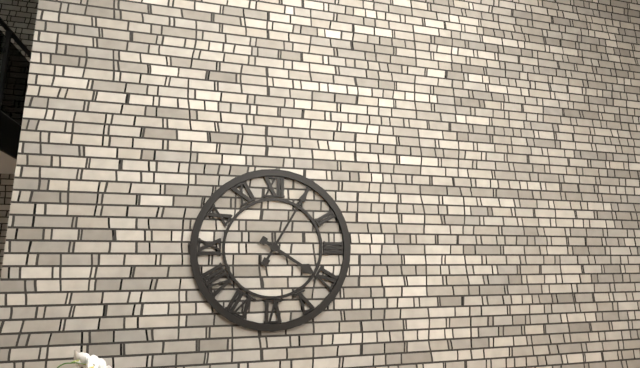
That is 4:05
